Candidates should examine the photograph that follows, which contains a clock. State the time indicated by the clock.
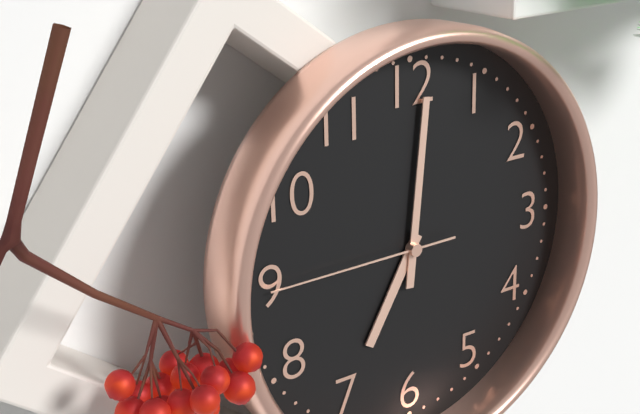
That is 7:01:45
